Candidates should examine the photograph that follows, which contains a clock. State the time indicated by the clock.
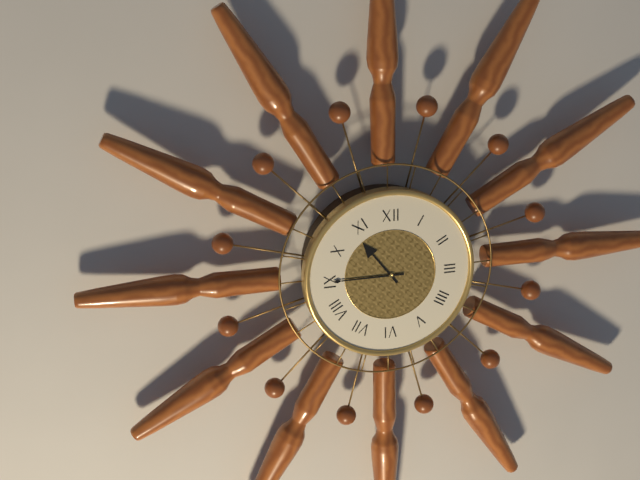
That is 10:45
